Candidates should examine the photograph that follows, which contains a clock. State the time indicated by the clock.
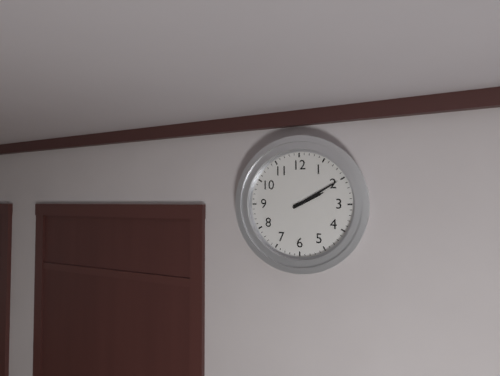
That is 2:10
